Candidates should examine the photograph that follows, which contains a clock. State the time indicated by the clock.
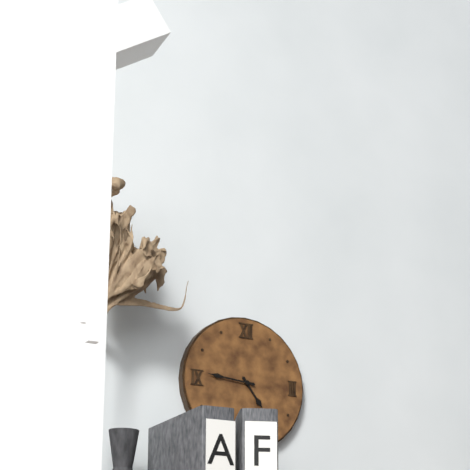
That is 4:46
